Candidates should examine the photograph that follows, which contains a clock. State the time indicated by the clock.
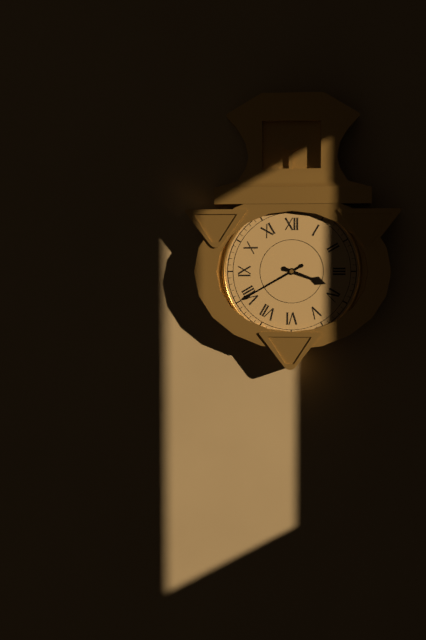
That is 3:40
